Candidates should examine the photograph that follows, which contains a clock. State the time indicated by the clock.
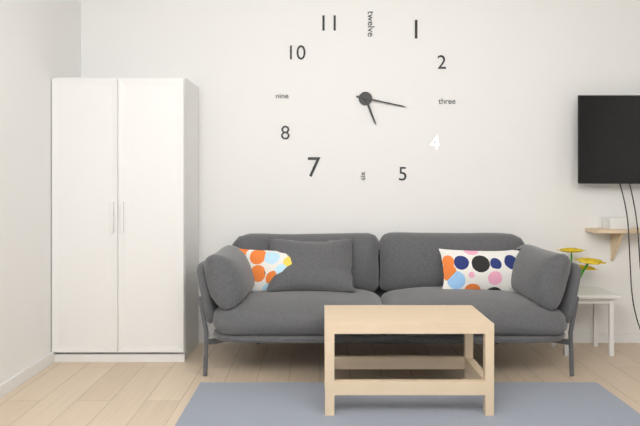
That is 5:17
